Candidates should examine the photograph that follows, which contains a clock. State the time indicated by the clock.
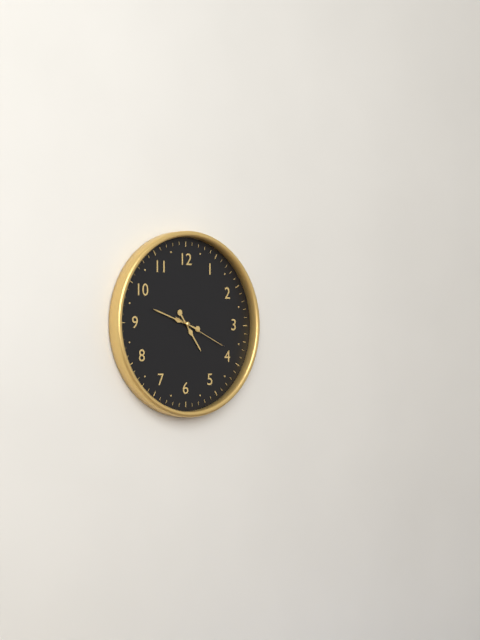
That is 4:48:19
